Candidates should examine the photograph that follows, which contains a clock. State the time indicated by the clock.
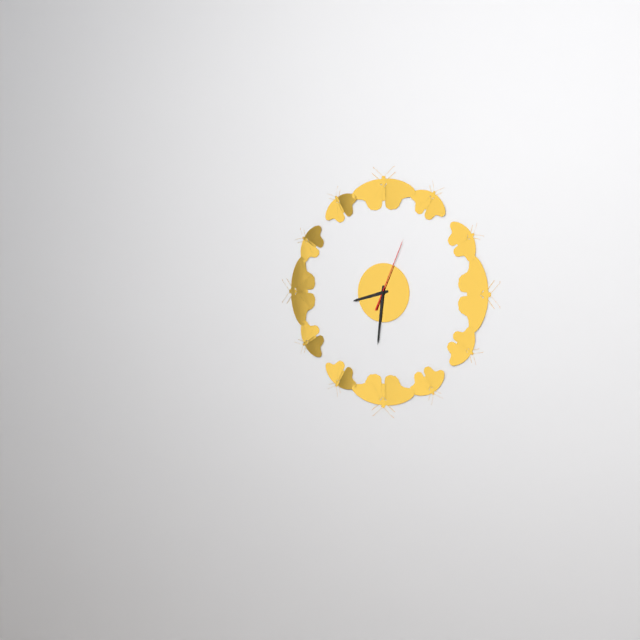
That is 8:31:04
